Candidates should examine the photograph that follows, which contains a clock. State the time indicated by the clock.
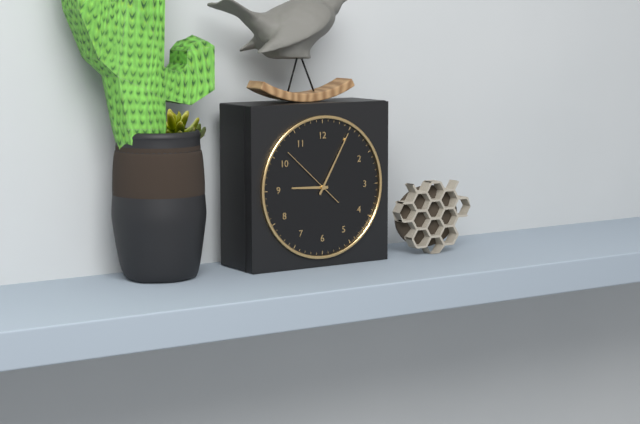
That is 9:05:52
